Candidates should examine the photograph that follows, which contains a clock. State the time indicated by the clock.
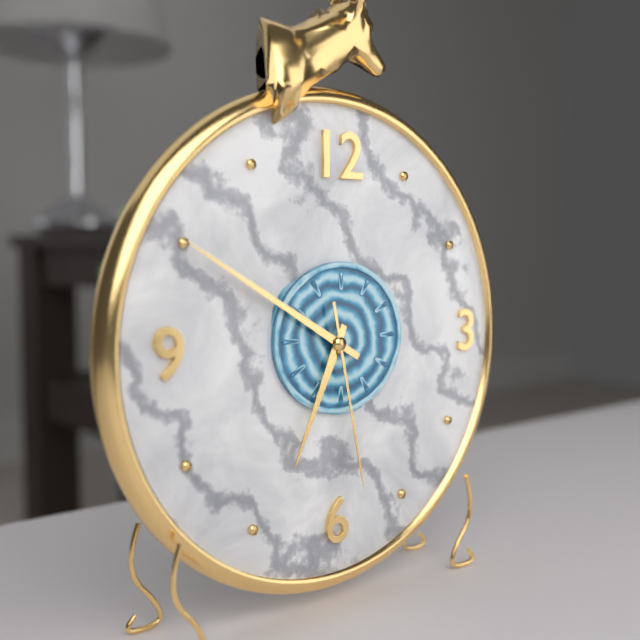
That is 6:50:28
